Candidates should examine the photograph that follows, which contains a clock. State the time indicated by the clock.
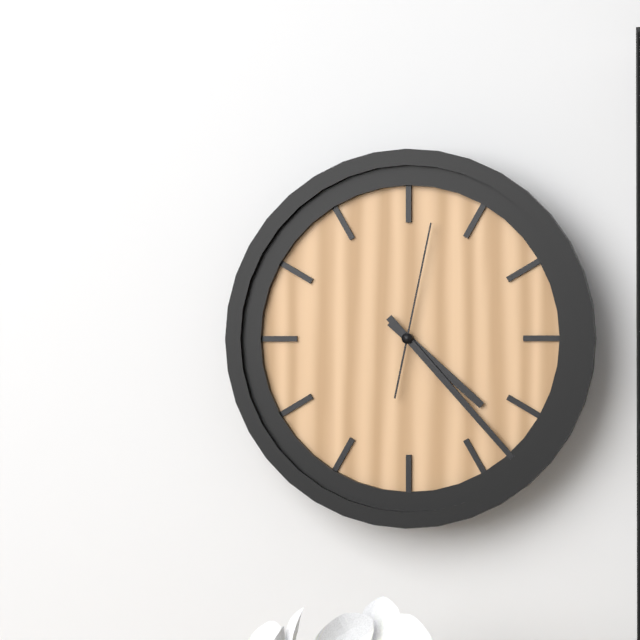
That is 4:23:02
